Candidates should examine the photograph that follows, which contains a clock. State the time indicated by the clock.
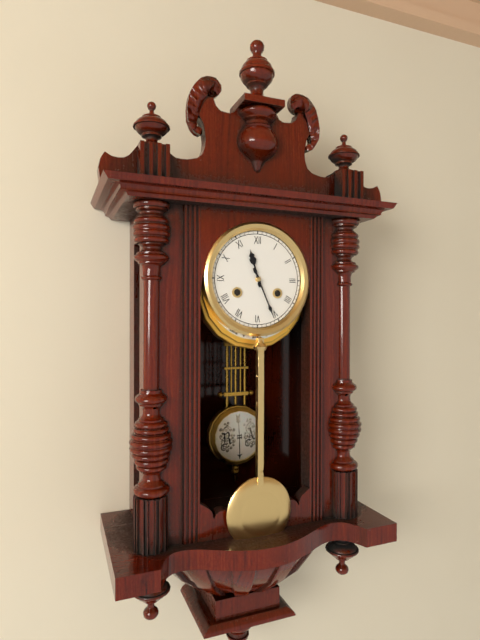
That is 11:26
